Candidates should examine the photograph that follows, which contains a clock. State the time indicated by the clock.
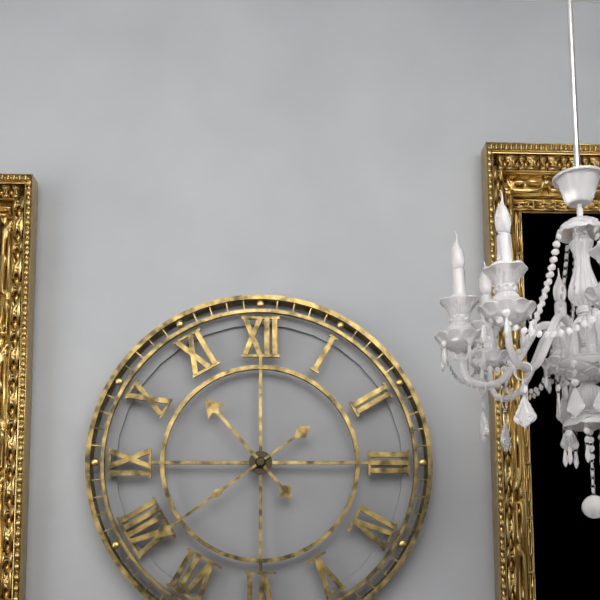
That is 10:39
